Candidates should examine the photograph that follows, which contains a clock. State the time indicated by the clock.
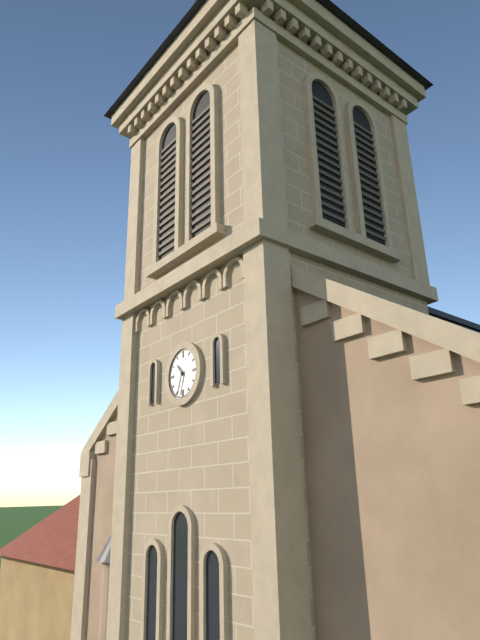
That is 10:33
